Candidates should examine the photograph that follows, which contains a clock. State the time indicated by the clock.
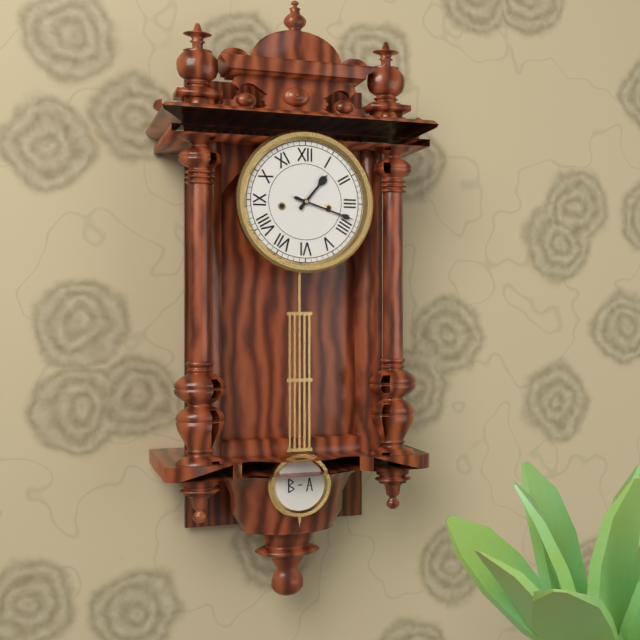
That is 1:18
